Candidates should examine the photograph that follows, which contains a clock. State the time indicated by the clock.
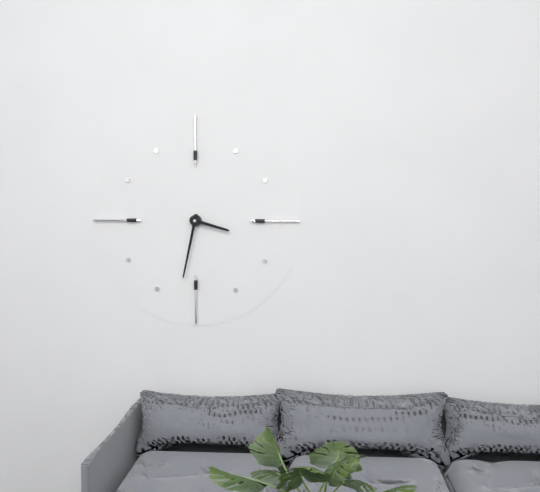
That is 3:32
